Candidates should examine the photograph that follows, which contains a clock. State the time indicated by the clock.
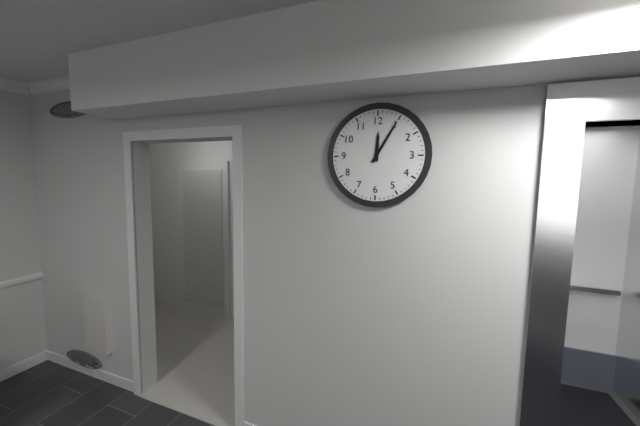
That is 12:05
